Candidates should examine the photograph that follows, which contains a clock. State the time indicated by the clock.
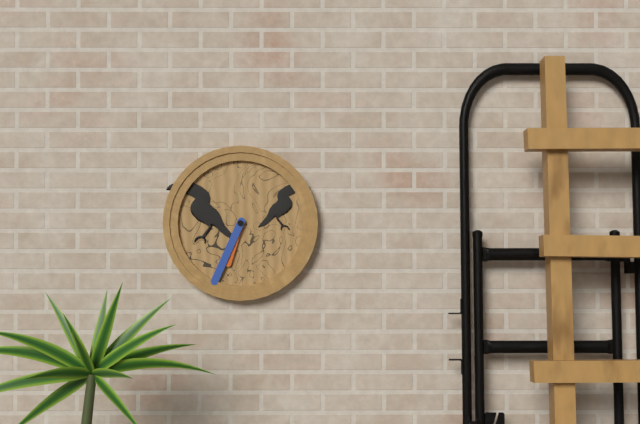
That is 6:34
